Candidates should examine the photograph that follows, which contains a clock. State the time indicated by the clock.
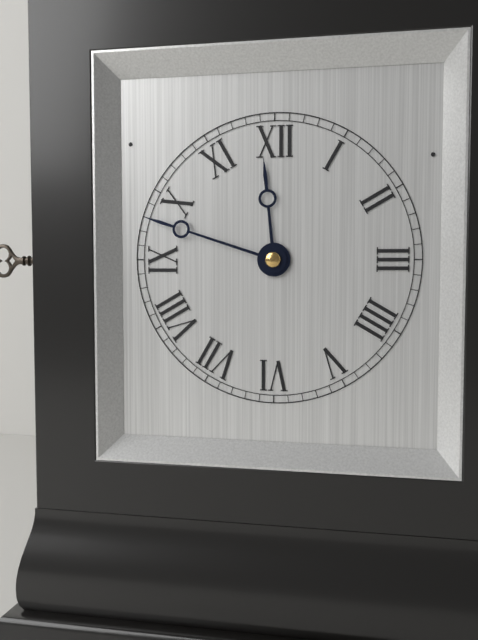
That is 11:48
